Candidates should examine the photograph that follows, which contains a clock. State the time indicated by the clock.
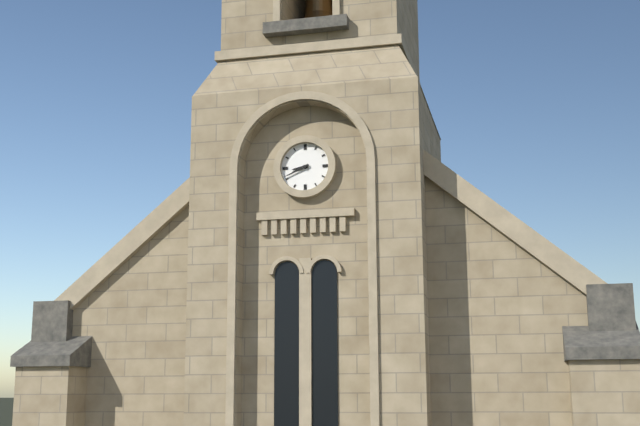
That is 8:41
